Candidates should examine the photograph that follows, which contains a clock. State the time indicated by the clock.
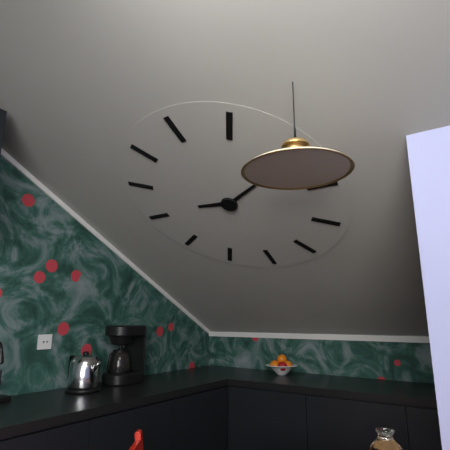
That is 9:11
